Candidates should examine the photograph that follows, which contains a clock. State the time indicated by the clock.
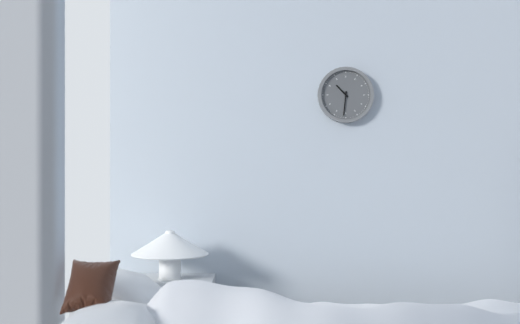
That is 10:31
